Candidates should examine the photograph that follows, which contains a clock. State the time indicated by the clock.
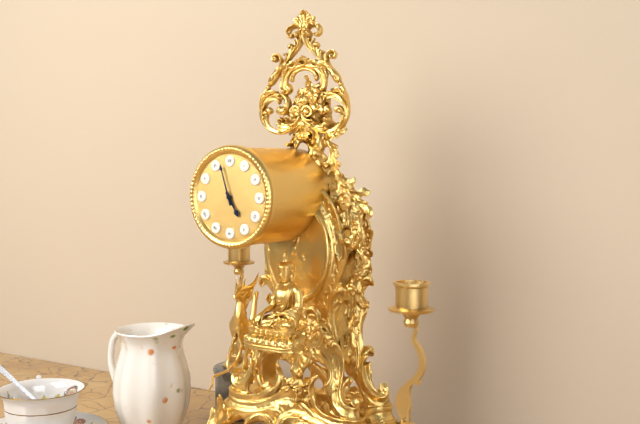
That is 4:57
